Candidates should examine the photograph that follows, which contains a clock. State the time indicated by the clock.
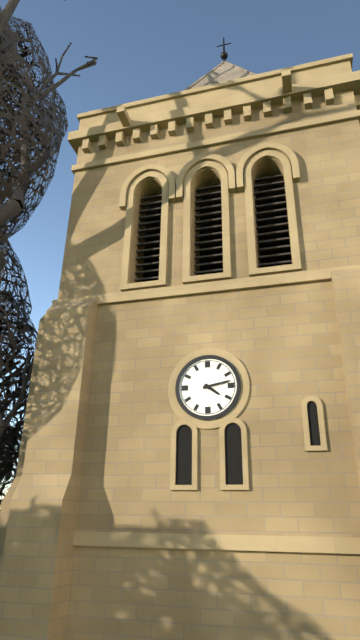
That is 4:13
